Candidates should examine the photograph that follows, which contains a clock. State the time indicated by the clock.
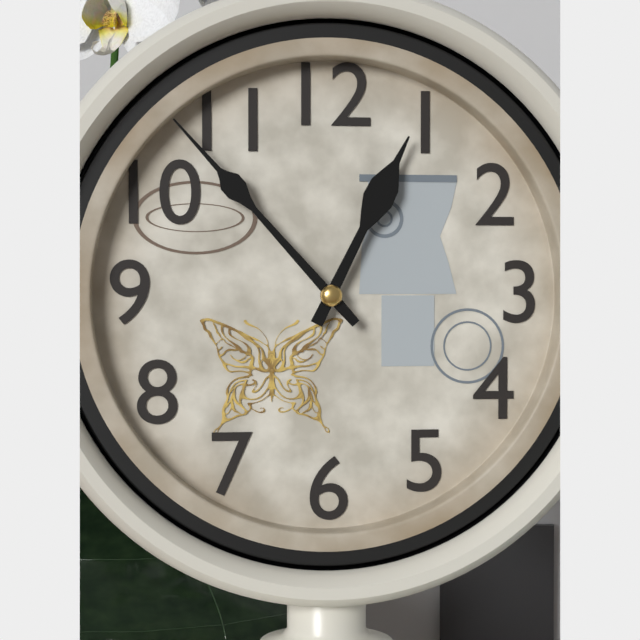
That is 12:53
